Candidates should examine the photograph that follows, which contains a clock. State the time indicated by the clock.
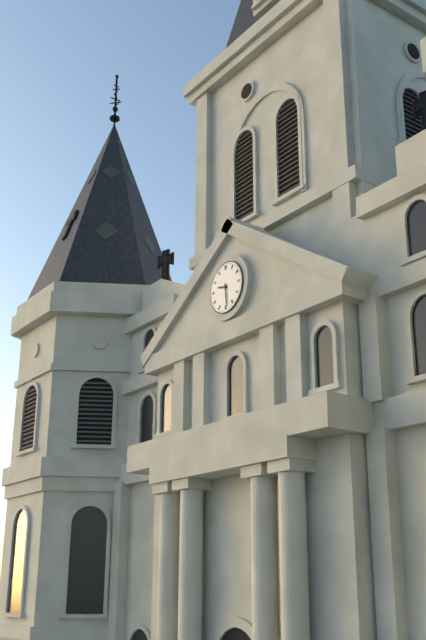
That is 9:29
